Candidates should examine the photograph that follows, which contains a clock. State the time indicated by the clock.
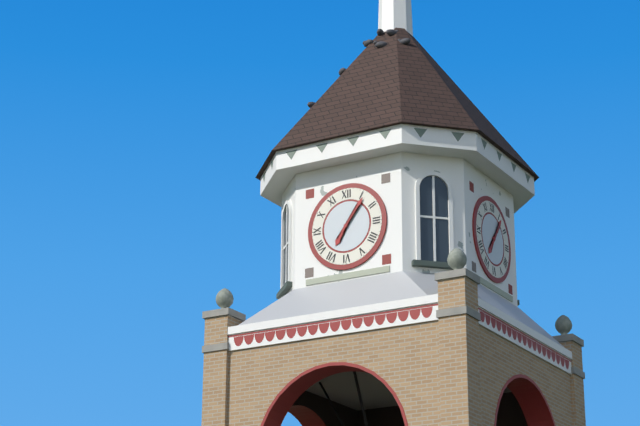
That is 7:06
